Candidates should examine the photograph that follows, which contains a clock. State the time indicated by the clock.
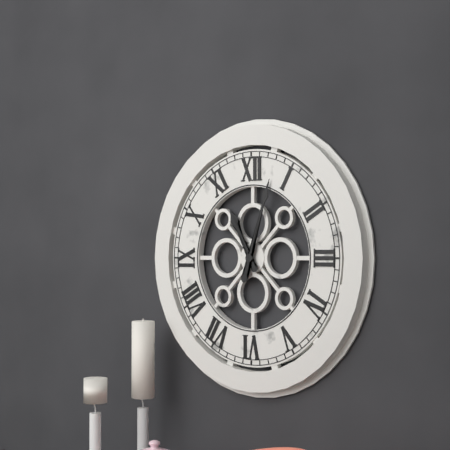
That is 11:03
